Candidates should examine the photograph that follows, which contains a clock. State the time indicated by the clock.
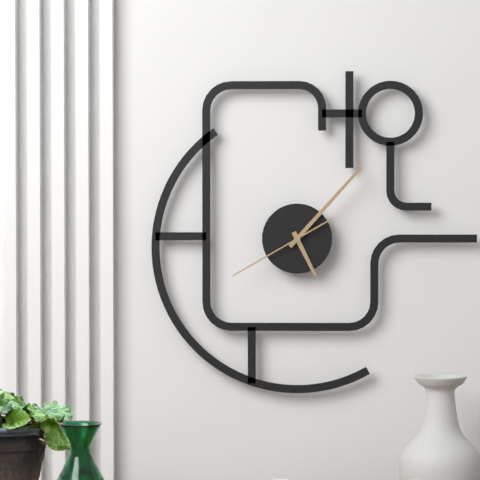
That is 5:07:40
